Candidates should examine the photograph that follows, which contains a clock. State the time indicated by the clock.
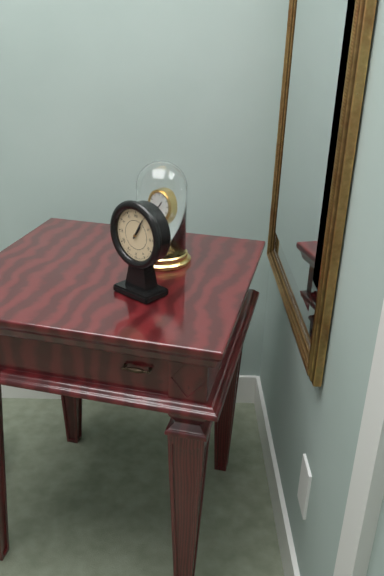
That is 1:05
